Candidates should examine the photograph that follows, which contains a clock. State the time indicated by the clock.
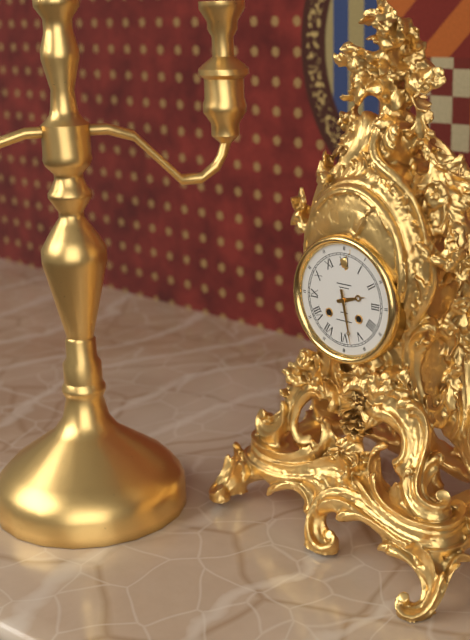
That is 2:28
